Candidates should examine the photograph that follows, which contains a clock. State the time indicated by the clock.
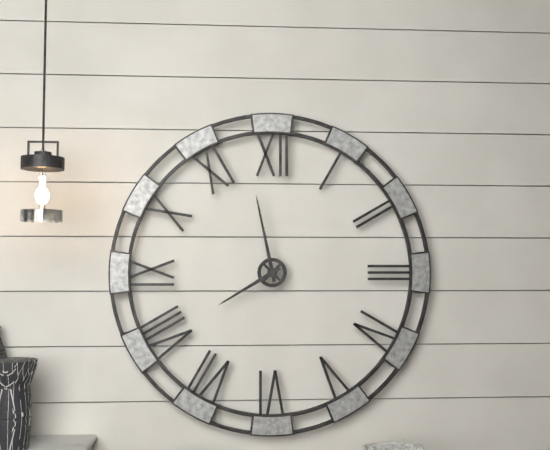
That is 7:58
